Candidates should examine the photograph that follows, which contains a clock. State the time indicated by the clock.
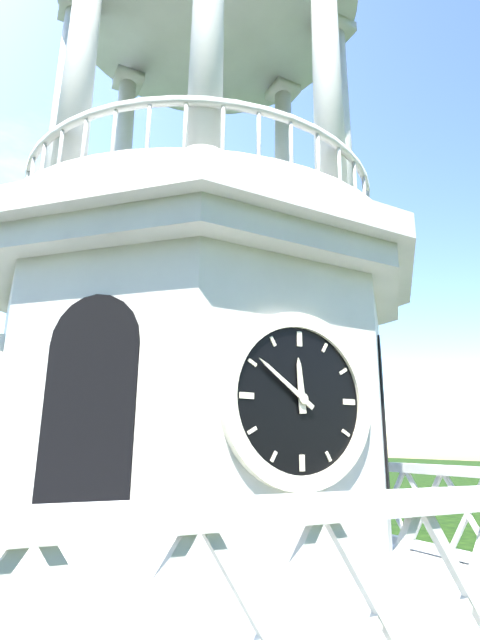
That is 11:51
